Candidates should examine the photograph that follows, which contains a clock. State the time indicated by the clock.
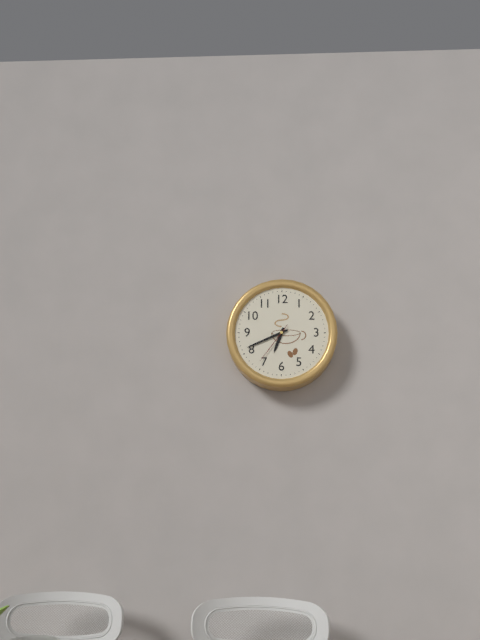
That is 6:41
